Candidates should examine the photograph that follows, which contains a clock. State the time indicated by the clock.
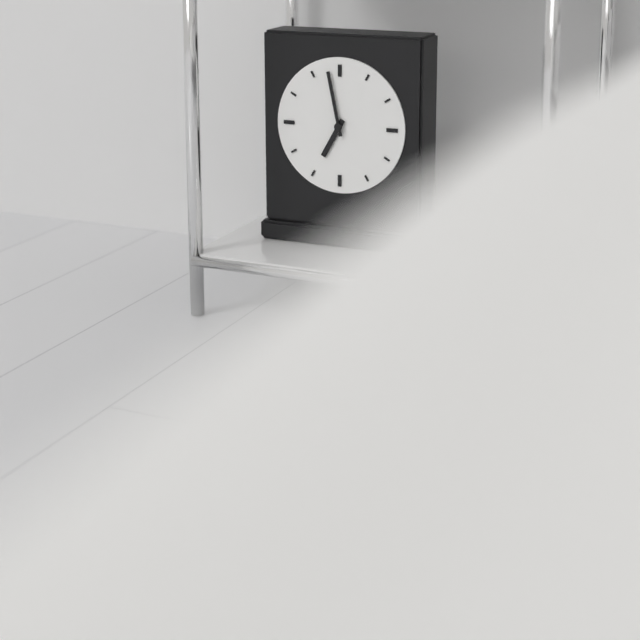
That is 6:58
